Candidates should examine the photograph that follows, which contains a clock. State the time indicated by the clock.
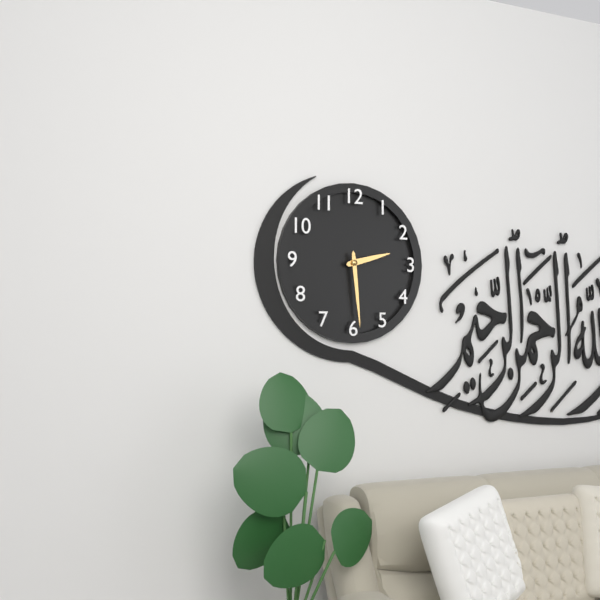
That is 2:29
